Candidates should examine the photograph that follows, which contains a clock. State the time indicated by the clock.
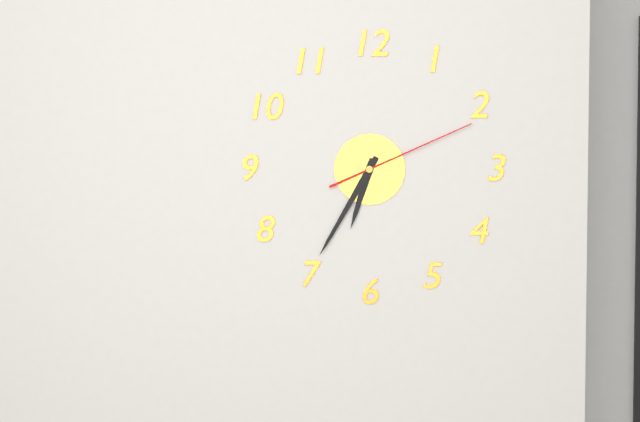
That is 6:35:11
